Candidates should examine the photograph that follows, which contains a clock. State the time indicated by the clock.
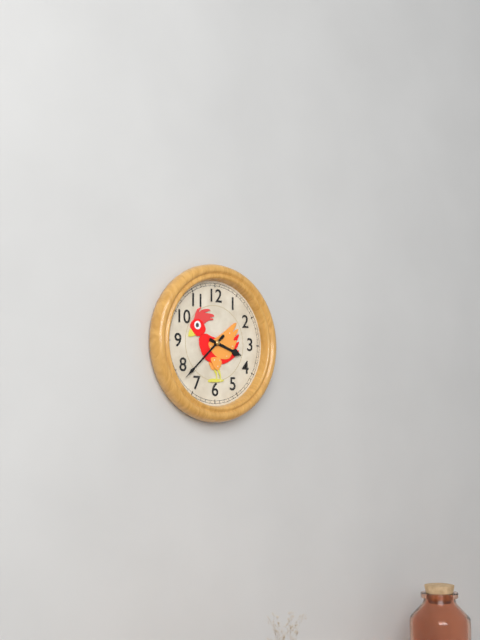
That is 3:38
